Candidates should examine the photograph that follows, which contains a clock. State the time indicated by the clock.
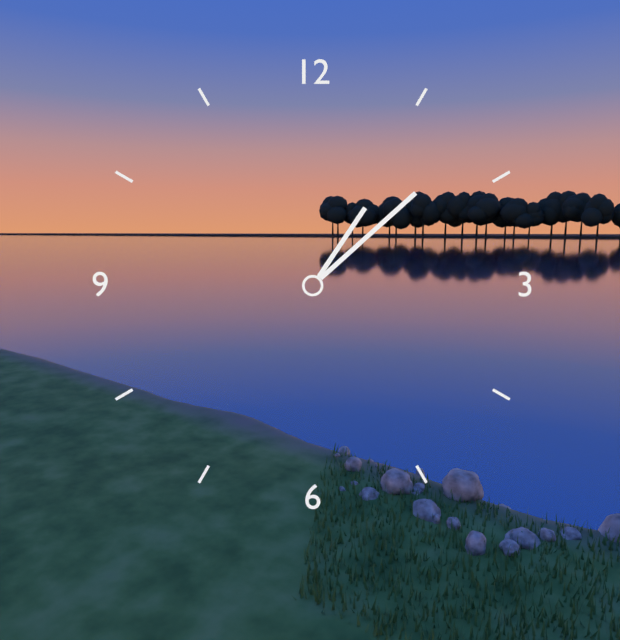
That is 1:08
